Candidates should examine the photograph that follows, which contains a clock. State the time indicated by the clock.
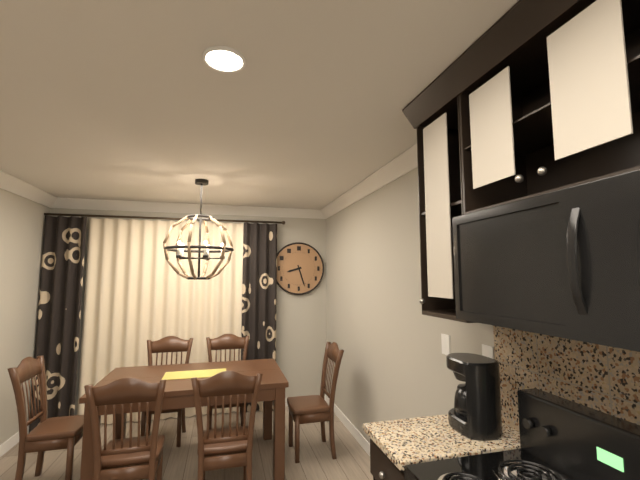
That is 8:27
